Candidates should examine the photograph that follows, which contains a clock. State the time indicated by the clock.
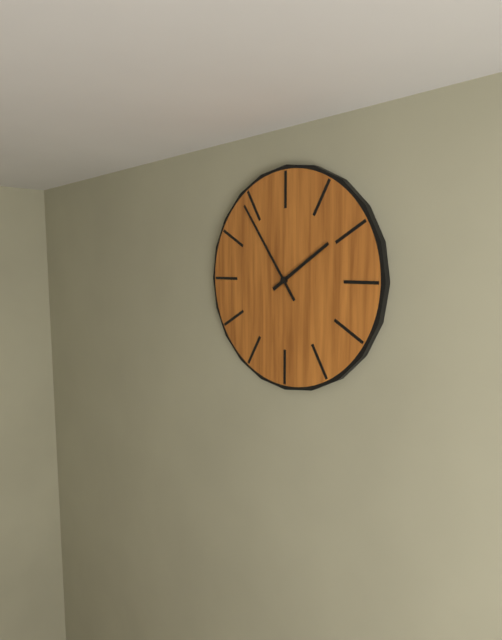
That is 1:54
